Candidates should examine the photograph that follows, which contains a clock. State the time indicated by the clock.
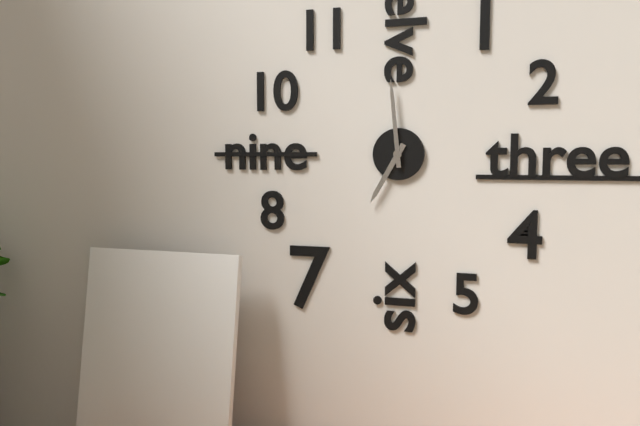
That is 6:59
